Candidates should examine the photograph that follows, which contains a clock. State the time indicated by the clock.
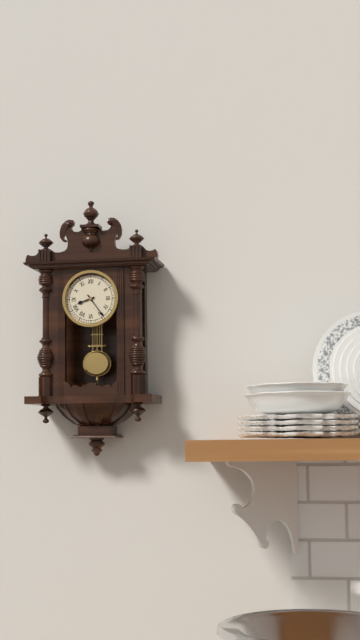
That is 8:24
